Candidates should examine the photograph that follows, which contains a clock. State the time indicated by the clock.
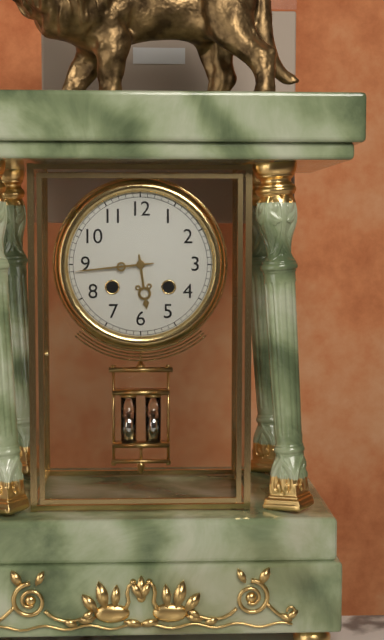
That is 5:44
